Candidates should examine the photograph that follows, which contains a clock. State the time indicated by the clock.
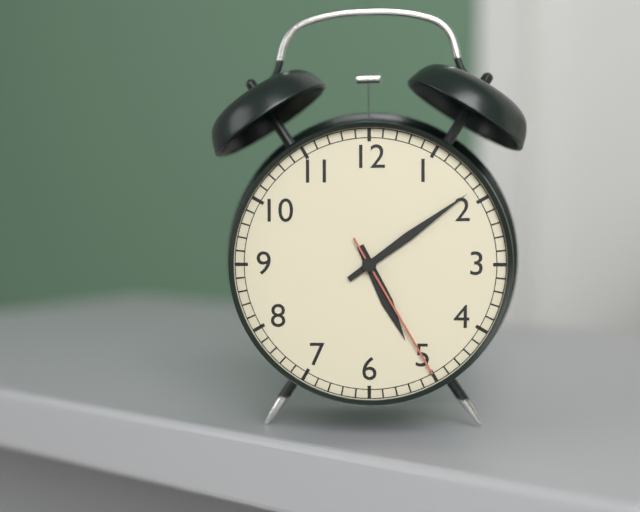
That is 5:09:25
